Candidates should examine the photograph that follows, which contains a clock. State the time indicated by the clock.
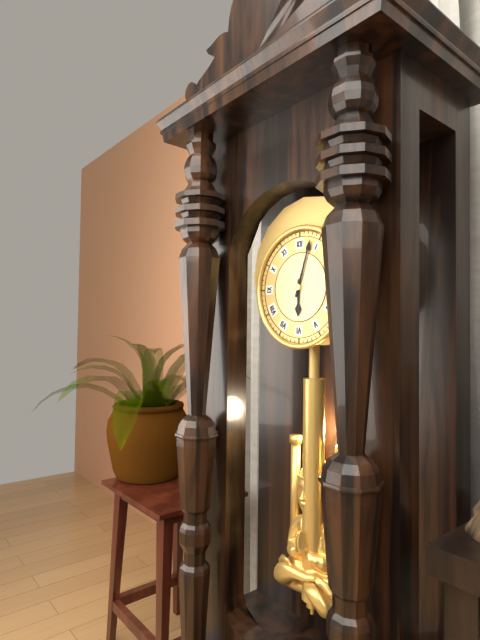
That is 6:03
